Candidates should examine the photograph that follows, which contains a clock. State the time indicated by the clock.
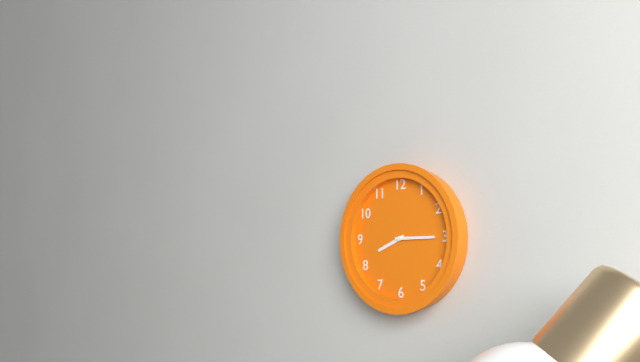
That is 8:15
